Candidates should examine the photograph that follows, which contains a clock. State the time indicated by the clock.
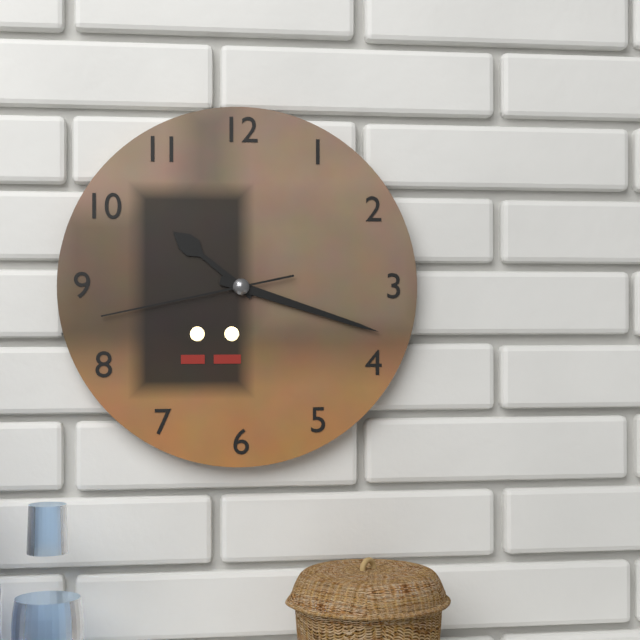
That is 10:18:43
